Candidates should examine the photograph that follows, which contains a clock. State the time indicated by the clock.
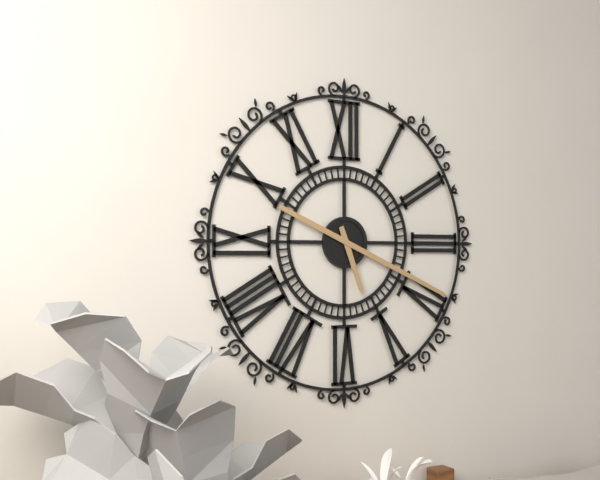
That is 5:19
